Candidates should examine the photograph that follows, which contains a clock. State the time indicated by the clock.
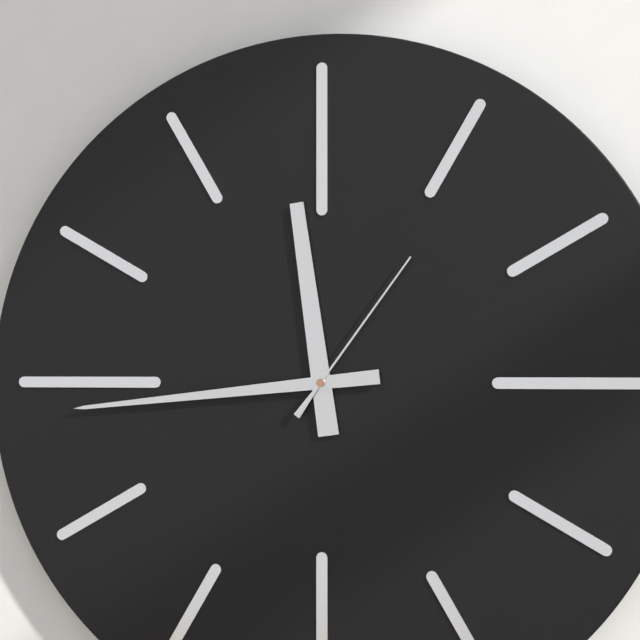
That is 11:44:06
